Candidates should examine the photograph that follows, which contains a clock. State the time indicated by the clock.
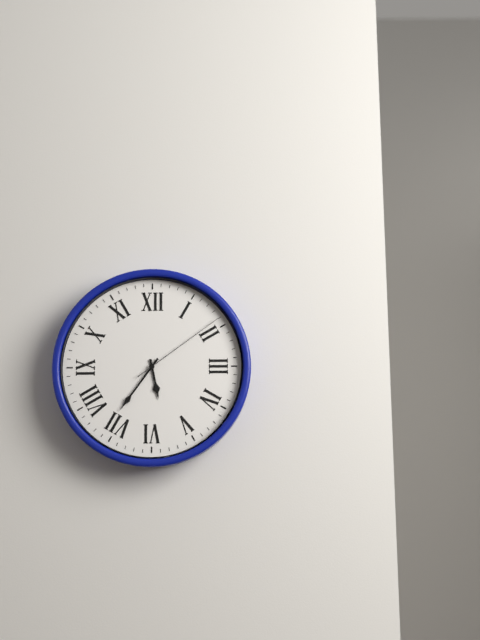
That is 5:36:09
